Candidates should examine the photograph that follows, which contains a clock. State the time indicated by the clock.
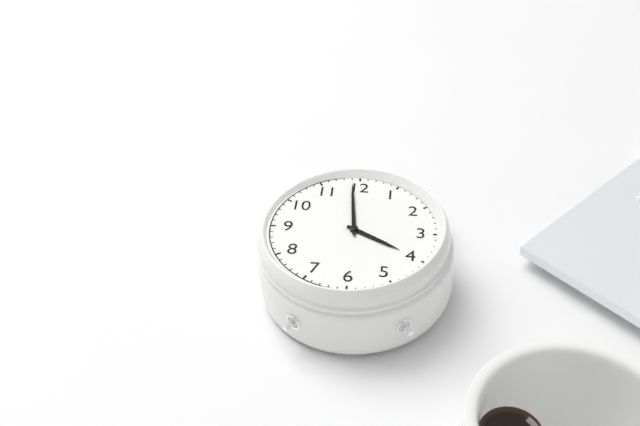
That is 3:59
